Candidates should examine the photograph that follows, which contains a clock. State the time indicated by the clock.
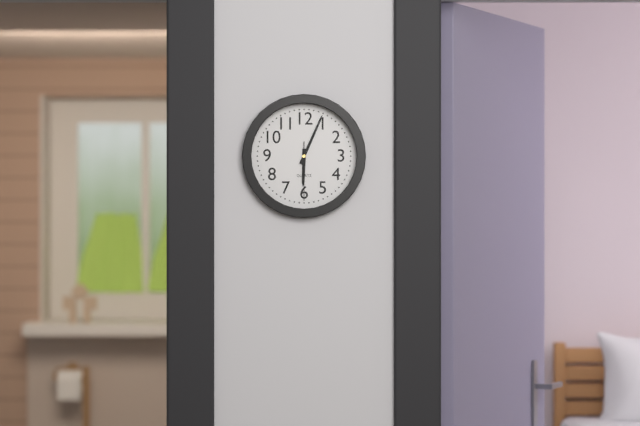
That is 6:04:30
